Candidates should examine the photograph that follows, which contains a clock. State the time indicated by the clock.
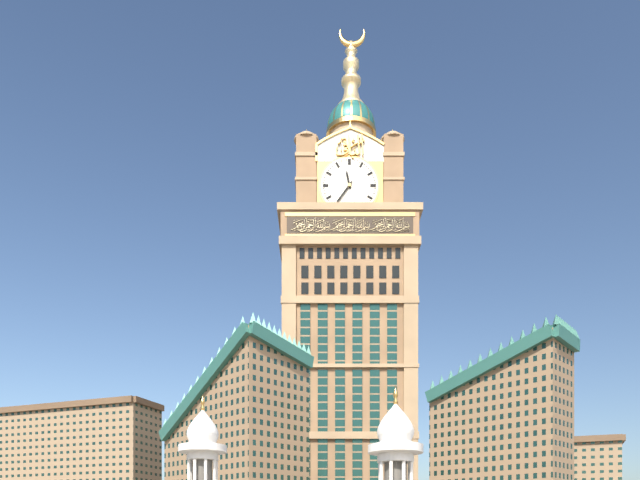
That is 11:36
